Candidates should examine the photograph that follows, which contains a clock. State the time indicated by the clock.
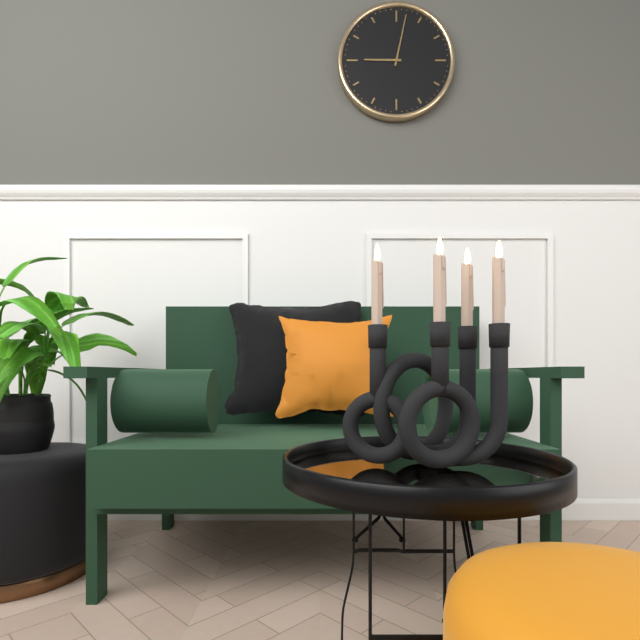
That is 9:02
